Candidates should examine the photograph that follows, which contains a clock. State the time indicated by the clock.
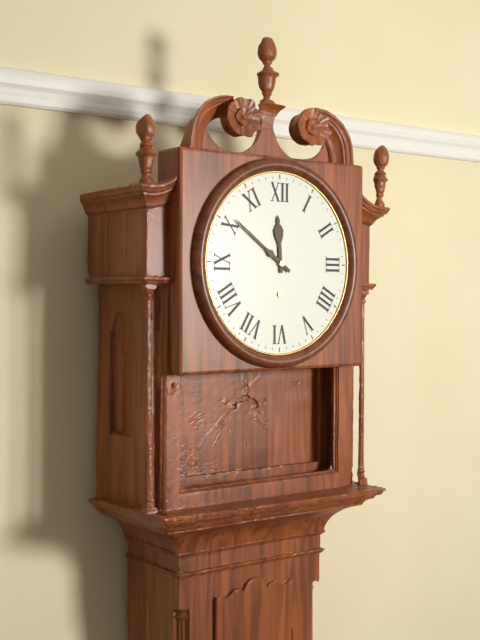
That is 11:51
